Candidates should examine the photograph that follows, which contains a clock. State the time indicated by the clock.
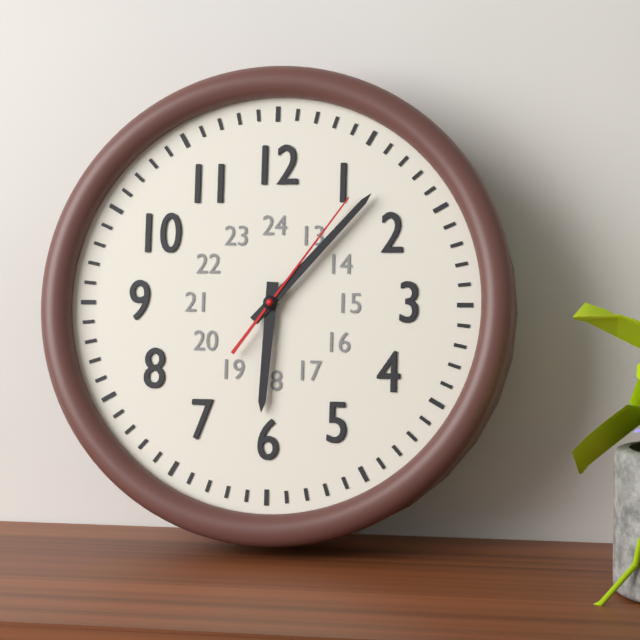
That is 6:07:06
